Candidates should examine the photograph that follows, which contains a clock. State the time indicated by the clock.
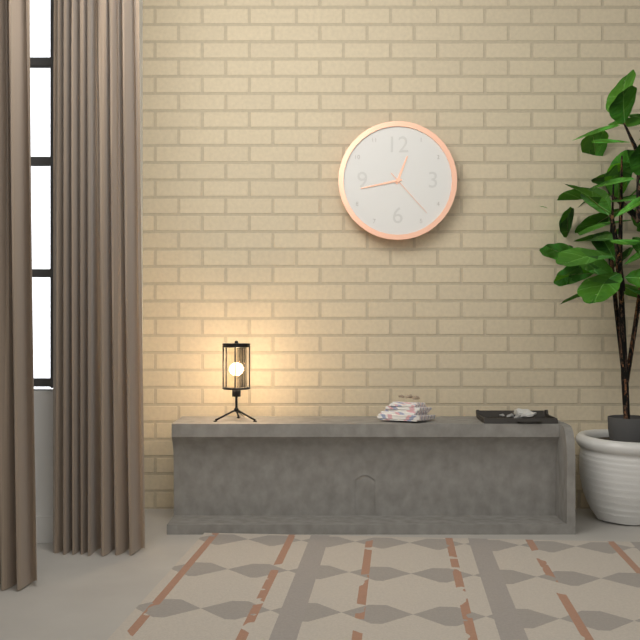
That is 12:43:23
